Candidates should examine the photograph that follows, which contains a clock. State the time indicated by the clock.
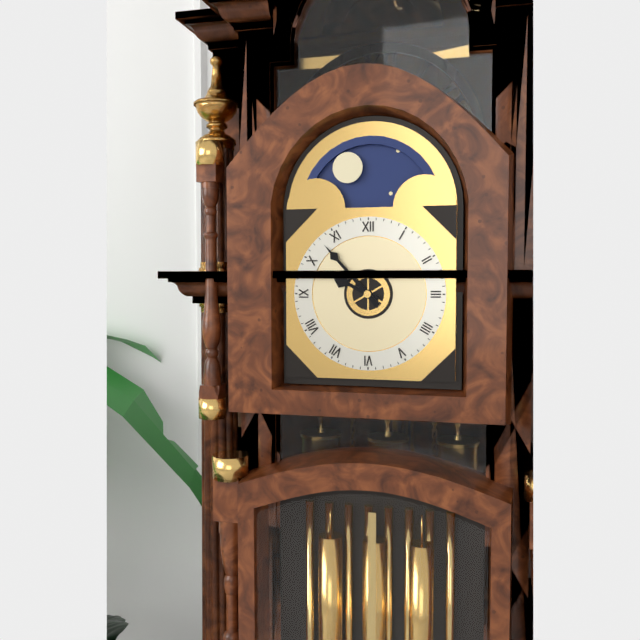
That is 9:53
